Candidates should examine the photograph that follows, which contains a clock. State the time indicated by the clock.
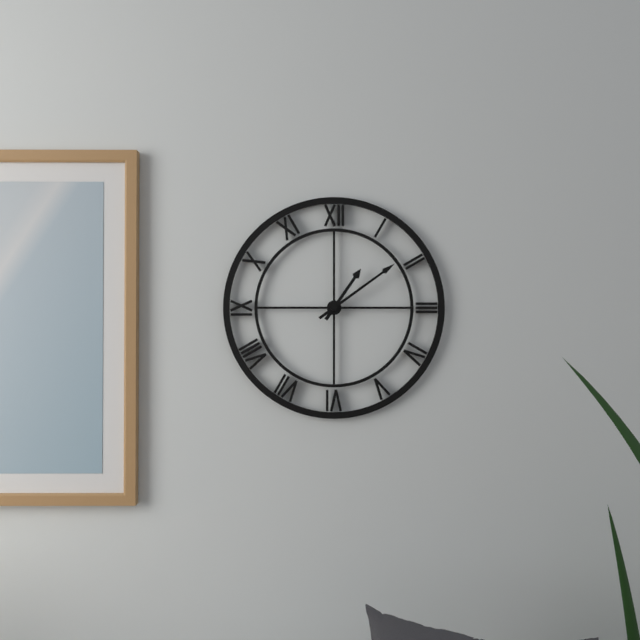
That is 1:09
